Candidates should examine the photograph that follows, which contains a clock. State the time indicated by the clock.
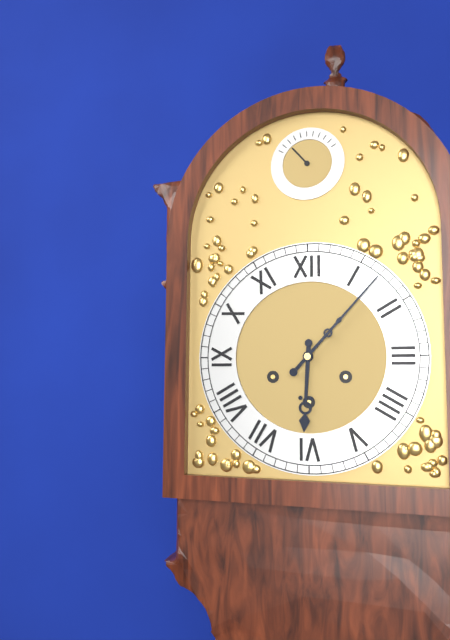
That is 6:07
